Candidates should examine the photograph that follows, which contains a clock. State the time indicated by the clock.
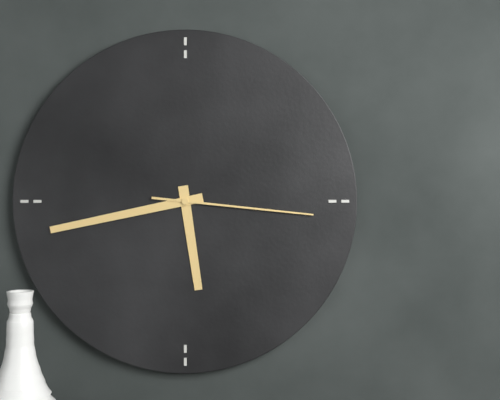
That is 5:43:16
